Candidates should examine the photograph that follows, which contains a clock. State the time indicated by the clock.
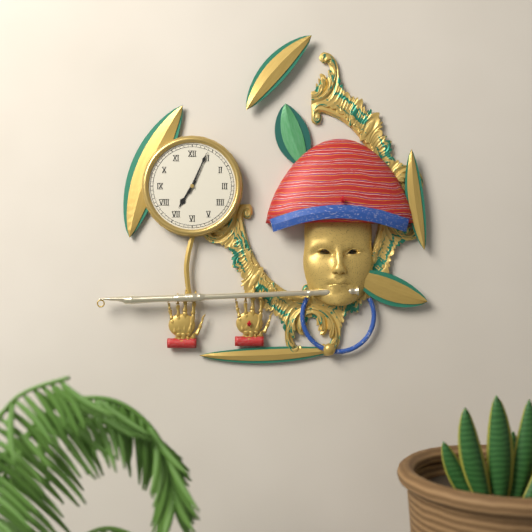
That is 7:04
